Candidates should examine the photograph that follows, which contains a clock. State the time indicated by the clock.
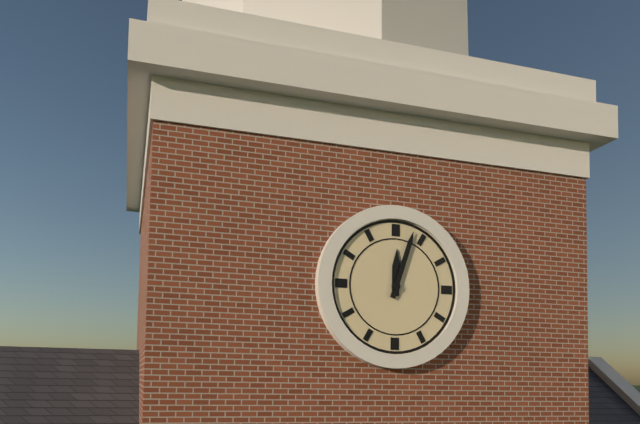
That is 12:03
